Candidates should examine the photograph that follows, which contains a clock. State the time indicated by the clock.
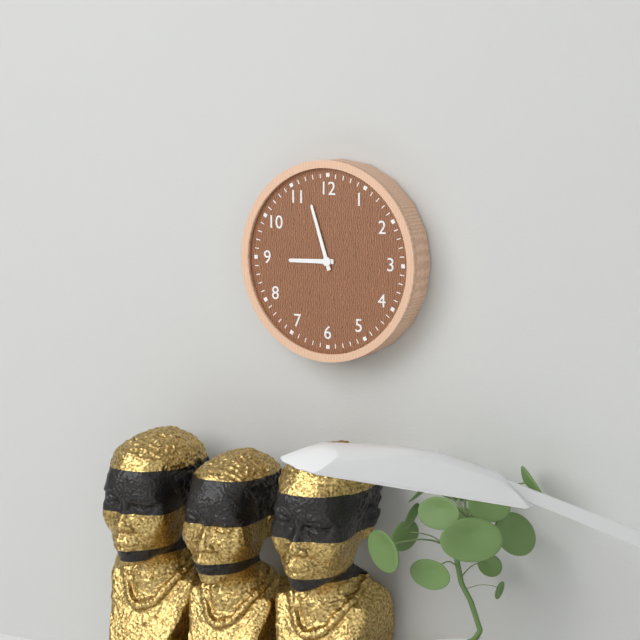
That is 8:57
